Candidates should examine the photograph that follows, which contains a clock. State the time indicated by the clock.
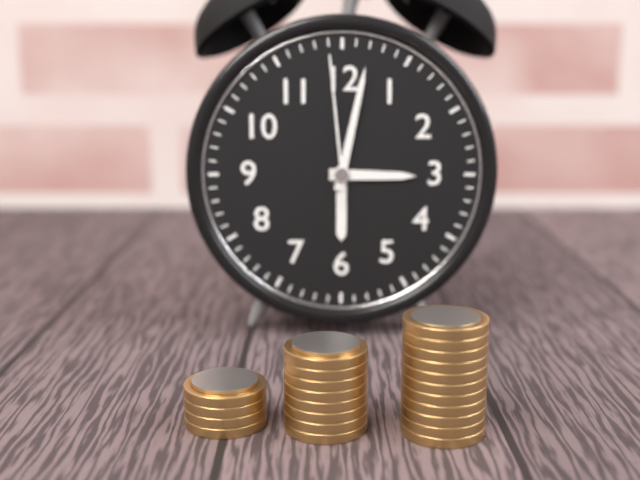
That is 3:02:59
